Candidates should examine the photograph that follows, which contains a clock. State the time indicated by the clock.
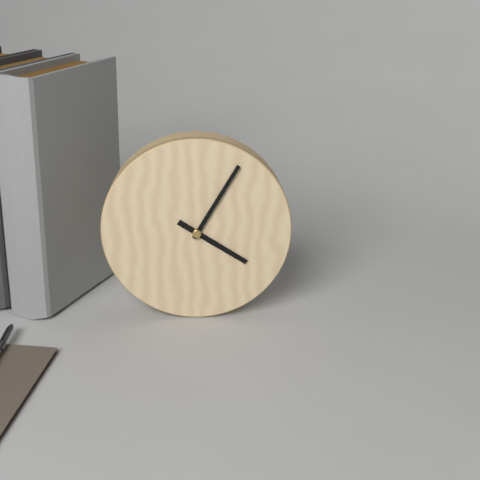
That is 4:05
